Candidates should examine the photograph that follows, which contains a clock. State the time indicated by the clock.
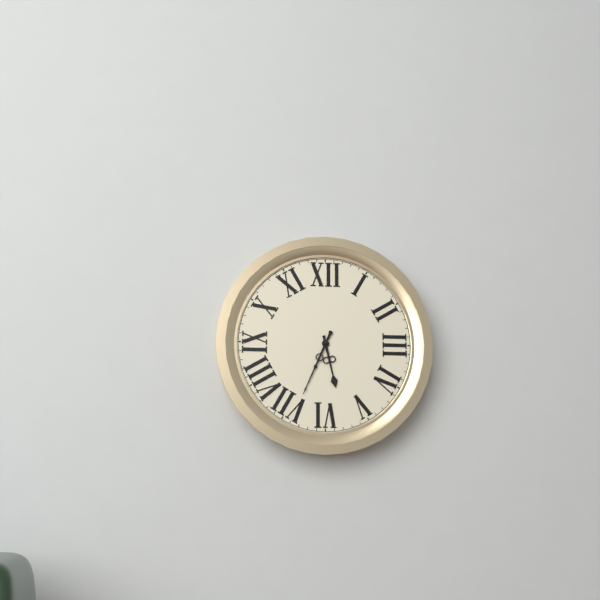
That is 5:34
